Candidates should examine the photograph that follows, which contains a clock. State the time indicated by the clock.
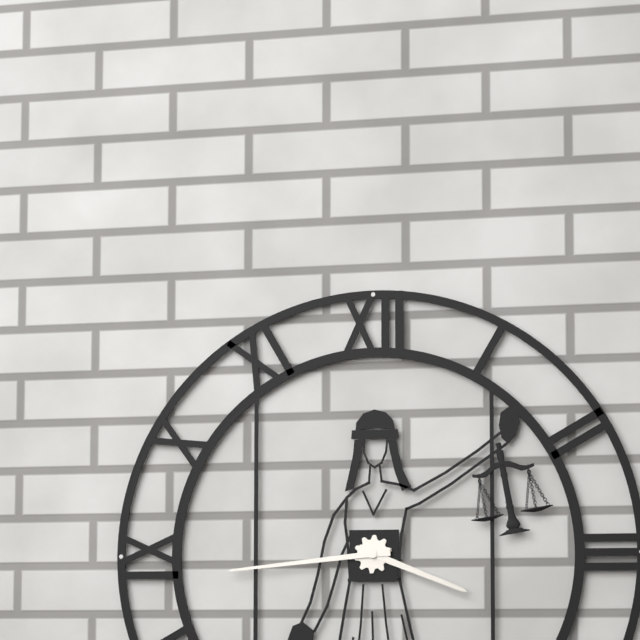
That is 3:44
